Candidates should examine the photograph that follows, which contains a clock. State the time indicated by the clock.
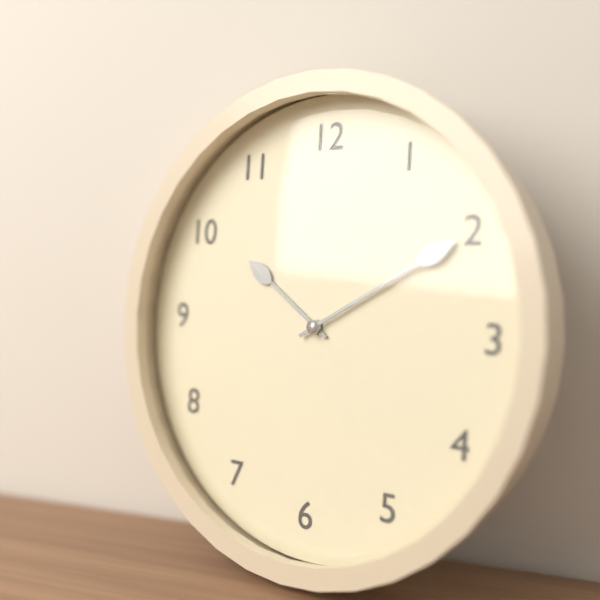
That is 10:10
